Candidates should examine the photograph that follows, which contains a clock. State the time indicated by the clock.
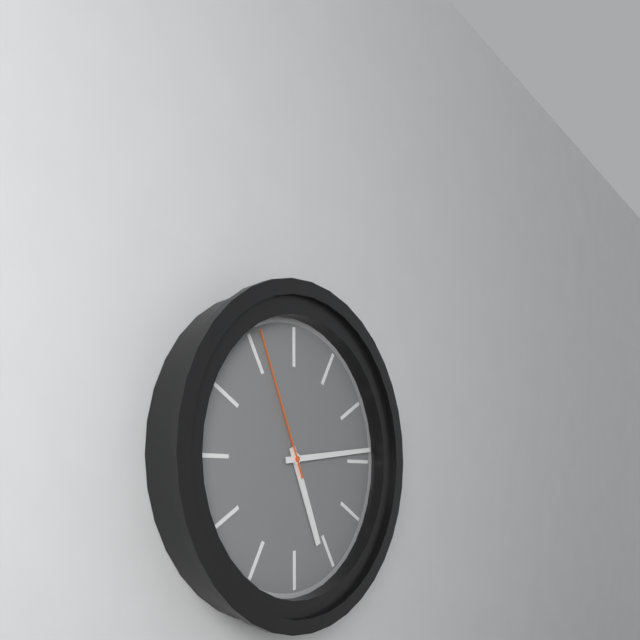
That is 5:14:56
